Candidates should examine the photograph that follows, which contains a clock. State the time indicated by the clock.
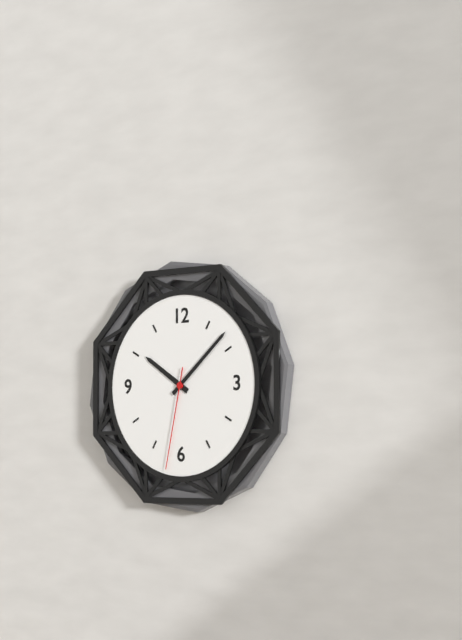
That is 10:08:32
